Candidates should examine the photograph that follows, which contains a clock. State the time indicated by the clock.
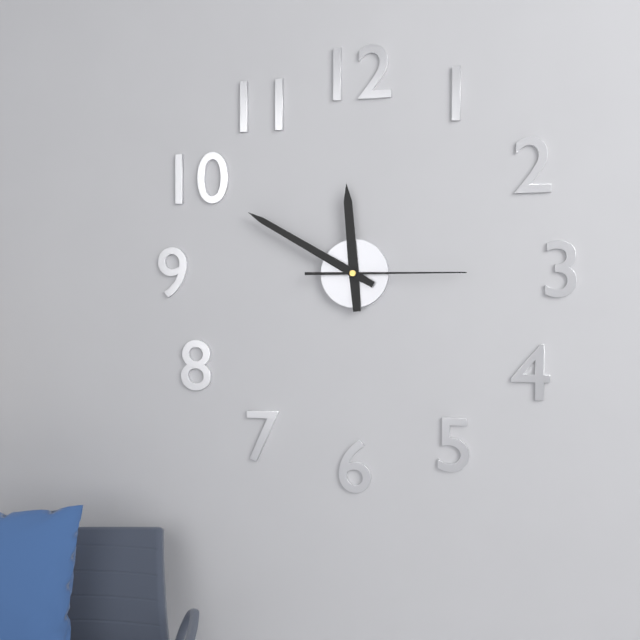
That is 11:50:15
